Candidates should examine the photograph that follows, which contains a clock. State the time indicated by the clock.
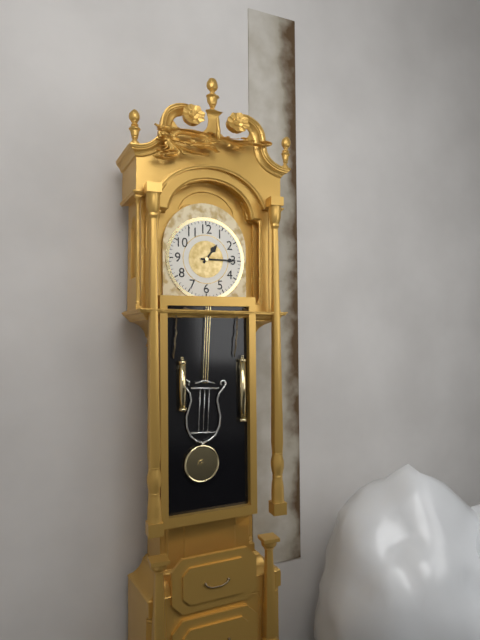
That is 1:15
